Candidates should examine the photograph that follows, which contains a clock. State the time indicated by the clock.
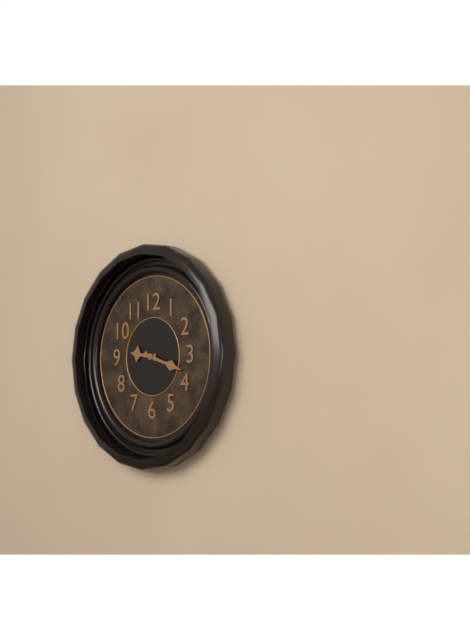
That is 9:18
